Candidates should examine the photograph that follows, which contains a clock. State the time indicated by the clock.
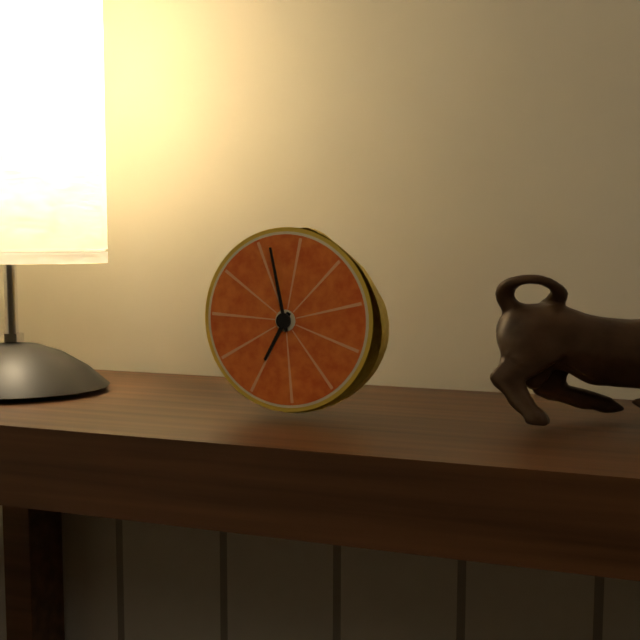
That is 6:58
